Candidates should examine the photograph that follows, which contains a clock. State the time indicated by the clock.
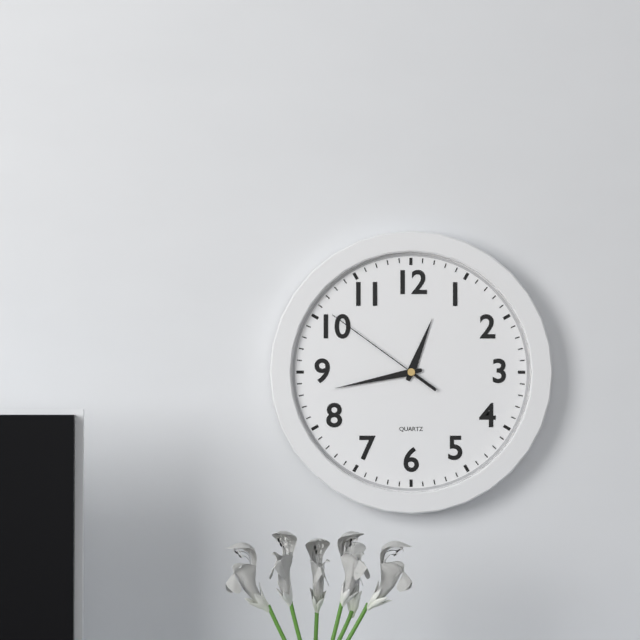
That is 12:43:51
